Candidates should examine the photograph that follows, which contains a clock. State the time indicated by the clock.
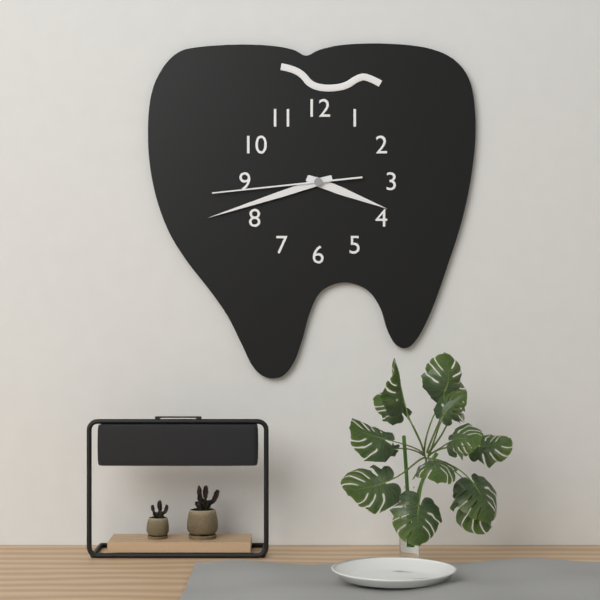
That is 3:42:44
